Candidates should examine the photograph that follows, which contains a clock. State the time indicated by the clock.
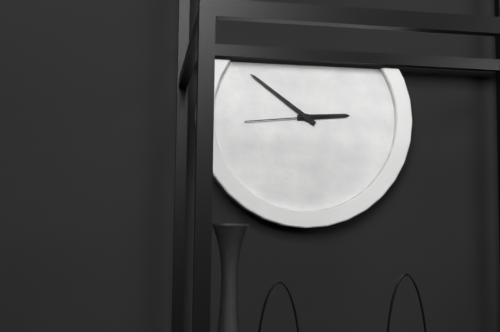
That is 2:51:44
